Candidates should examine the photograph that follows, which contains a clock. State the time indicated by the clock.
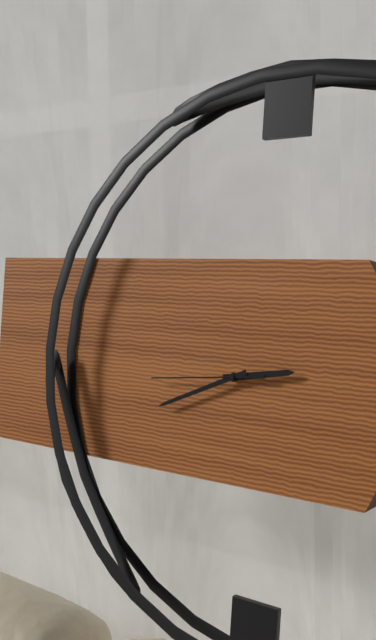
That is 2:41:44
